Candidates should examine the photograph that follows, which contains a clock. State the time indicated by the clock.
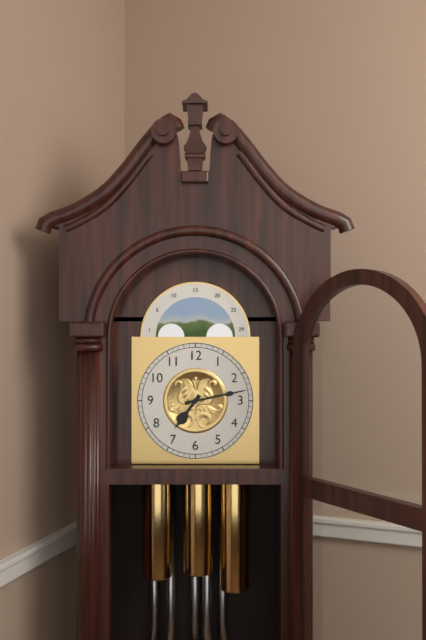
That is 7:13
